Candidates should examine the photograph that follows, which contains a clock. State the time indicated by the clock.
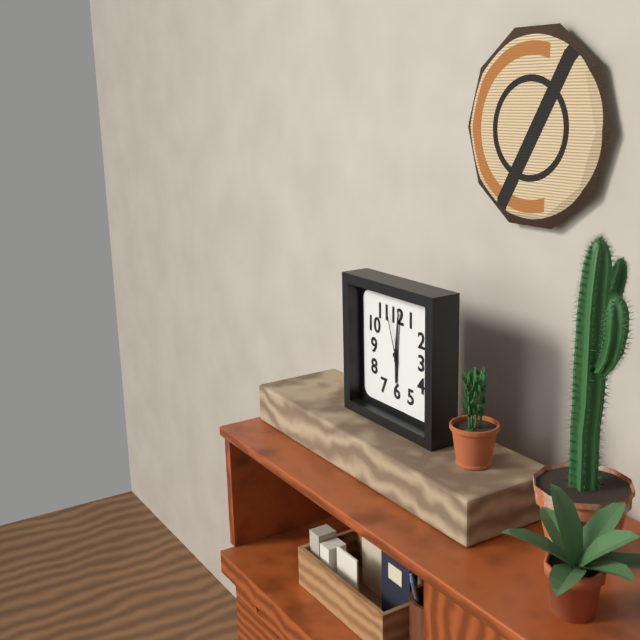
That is 6:01:57
